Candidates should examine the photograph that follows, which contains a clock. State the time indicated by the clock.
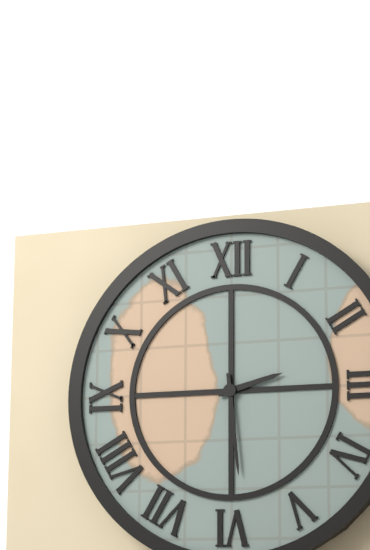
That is 2:29
